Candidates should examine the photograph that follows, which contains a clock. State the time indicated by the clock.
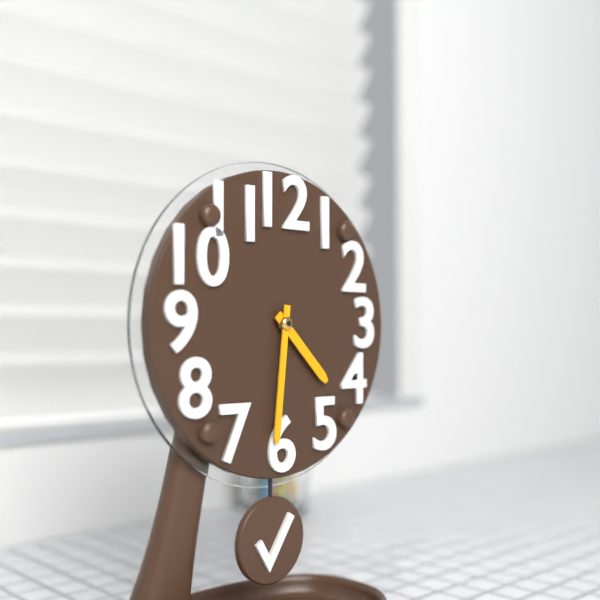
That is 4:31
